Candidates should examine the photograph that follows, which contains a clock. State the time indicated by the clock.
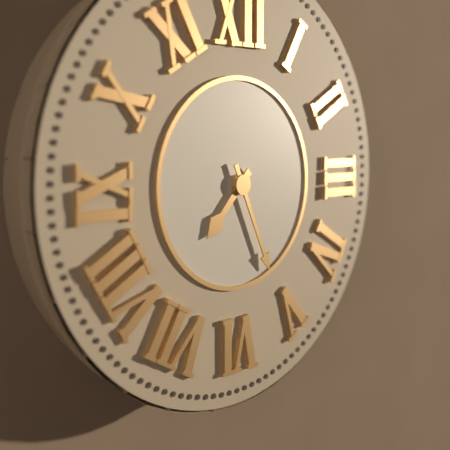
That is 7:26
